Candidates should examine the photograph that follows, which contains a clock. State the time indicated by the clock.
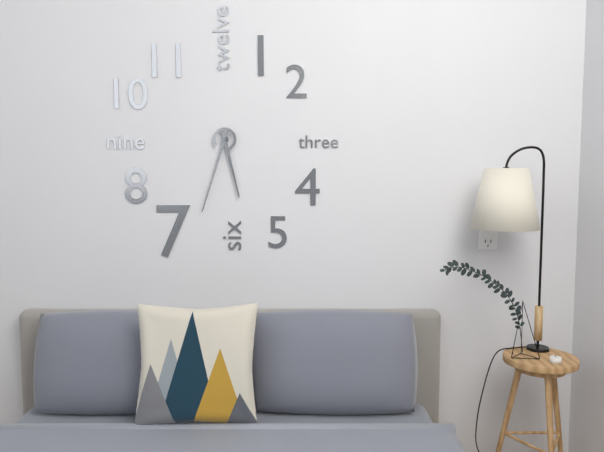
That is 5:33
